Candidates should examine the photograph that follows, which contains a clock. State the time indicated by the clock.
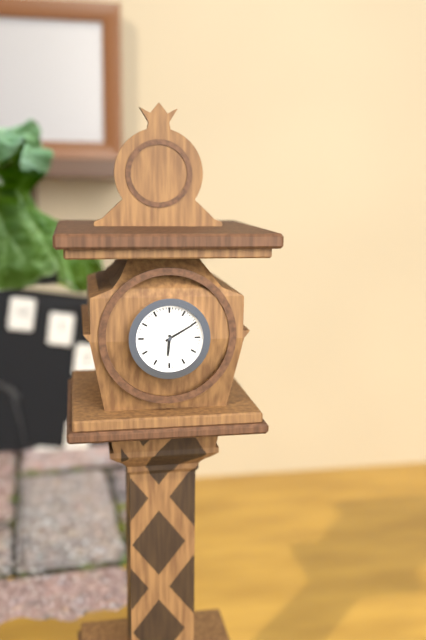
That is 6:10
